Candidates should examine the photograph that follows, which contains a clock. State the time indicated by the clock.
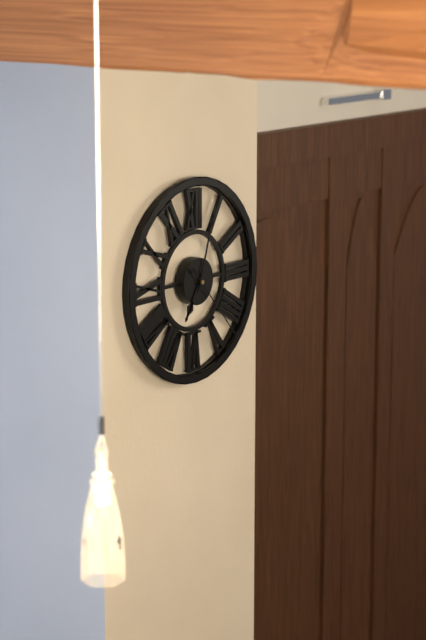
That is 7:03:23
